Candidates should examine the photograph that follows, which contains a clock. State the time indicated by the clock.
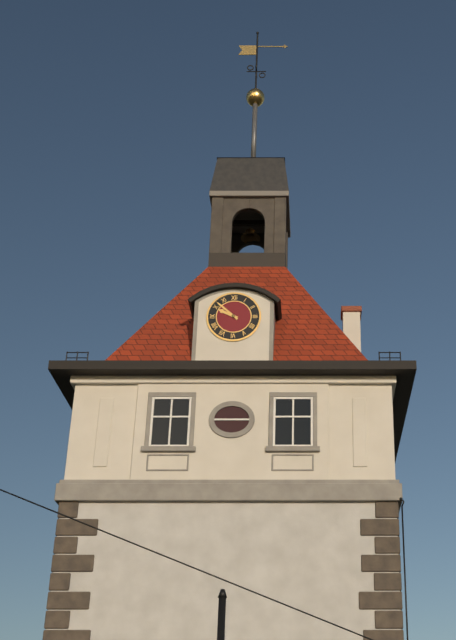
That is 9:52
